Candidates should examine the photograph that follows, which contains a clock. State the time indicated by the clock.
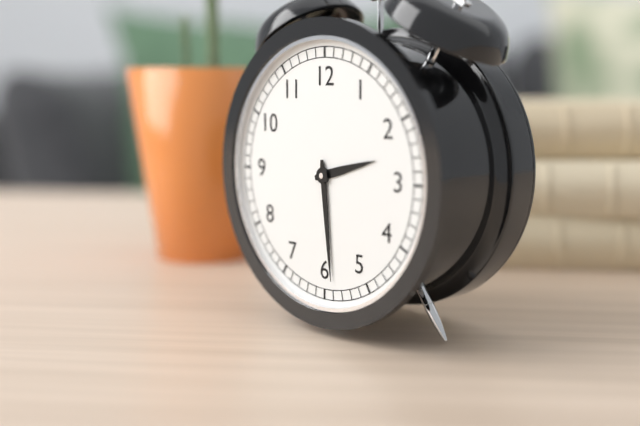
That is 2:29
